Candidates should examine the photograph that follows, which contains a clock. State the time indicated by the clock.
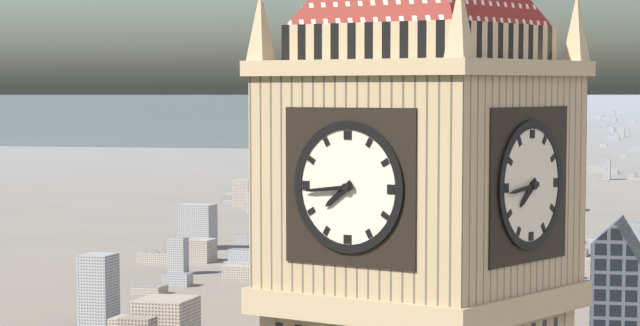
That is 7:44
